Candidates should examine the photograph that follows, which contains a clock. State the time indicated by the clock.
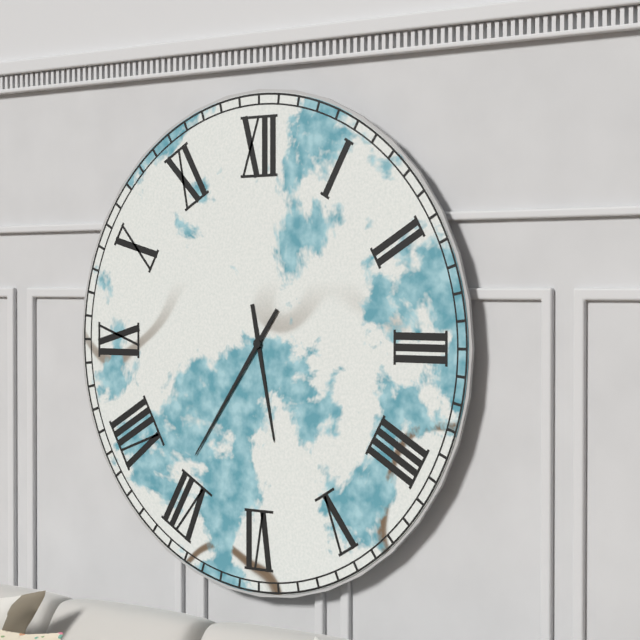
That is 5:36
